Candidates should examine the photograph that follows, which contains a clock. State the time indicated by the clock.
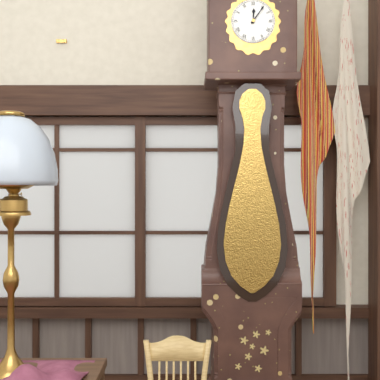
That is 12:06
